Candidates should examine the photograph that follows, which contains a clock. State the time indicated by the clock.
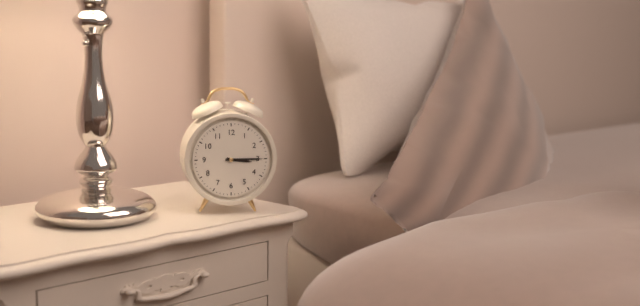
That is 3:15
